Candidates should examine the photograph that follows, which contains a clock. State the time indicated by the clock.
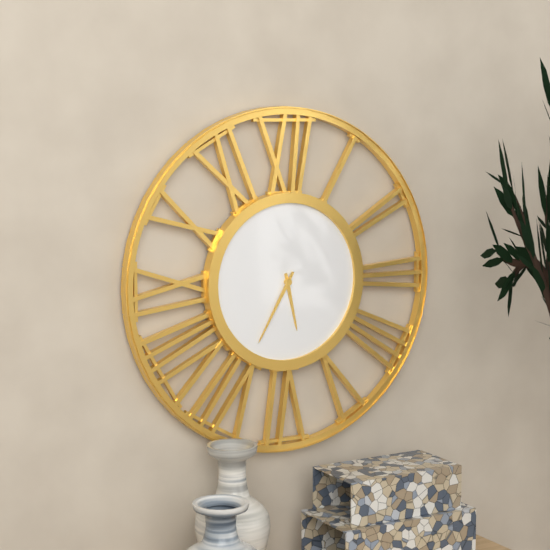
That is 5:35
